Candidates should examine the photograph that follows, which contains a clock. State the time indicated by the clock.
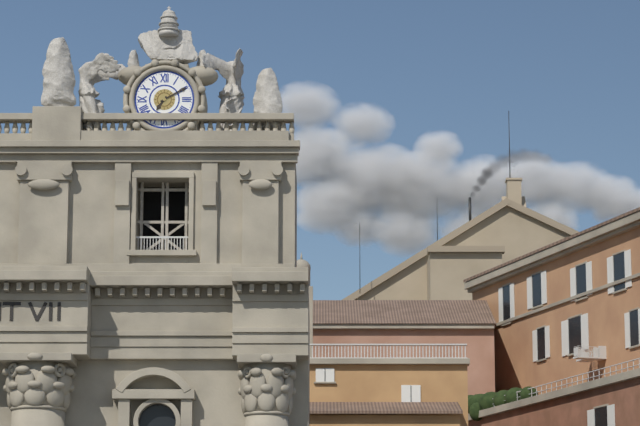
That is 7:10
